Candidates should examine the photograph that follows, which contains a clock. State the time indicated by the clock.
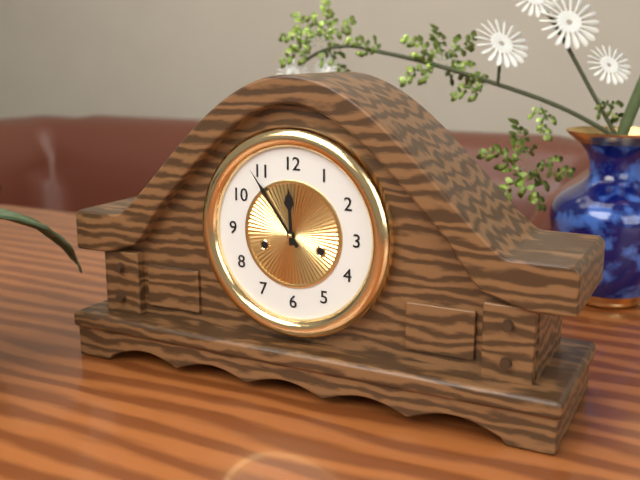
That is 11:54
